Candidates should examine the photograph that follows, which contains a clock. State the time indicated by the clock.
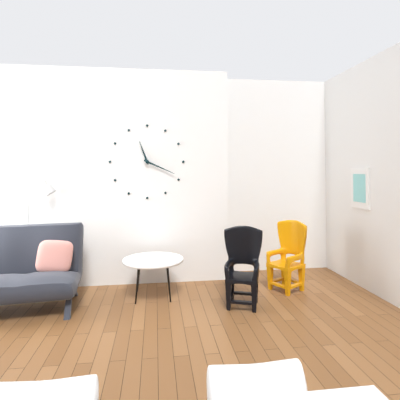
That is 11:19
